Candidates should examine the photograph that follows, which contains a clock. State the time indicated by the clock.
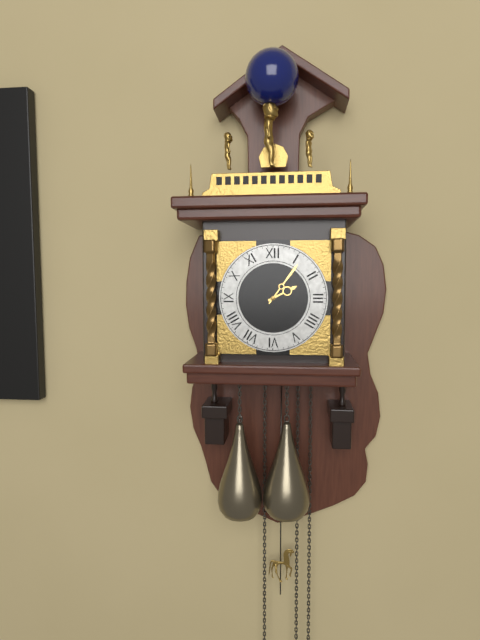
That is 2:06
